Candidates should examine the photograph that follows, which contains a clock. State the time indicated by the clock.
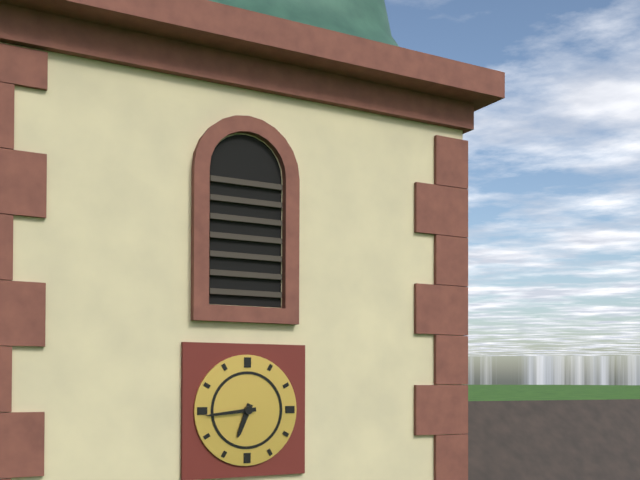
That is 6:44
